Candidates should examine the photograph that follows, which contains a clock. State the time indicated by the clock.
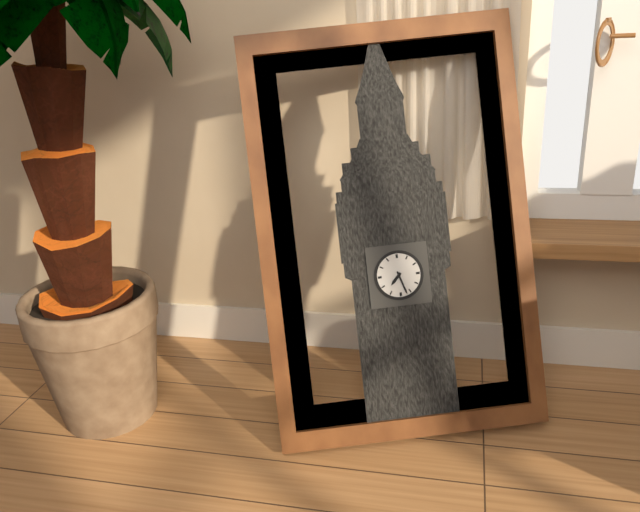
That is 7:27
